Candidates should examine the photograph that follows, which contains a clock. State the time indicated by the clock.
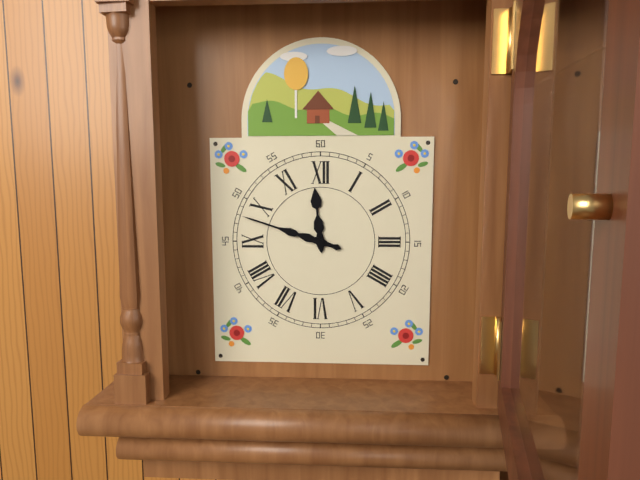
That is 11:48
